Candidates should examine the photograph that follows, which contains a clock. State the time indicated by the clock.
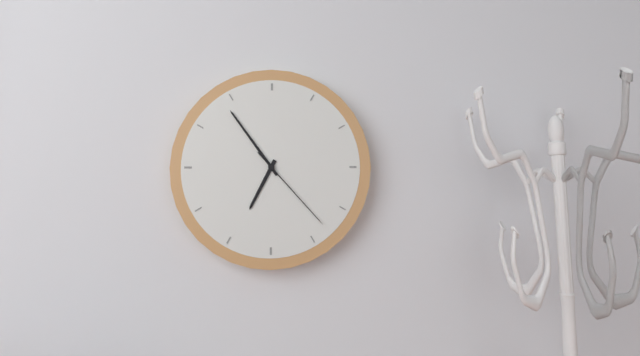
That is 6:54:23
